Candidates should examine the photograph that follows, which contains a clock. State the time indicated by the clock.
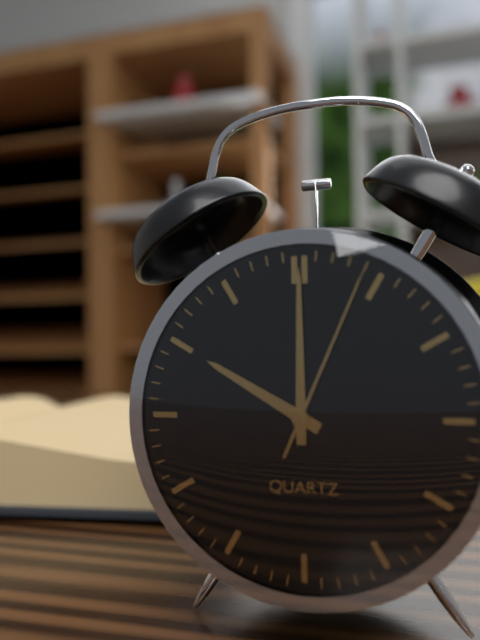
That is 10:00:04
